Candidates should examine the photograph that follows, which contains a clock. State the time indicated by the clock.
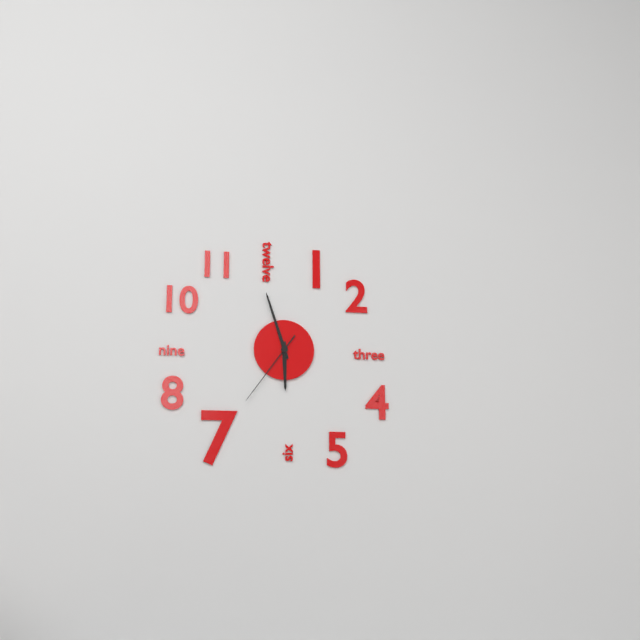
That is 5:57:36
